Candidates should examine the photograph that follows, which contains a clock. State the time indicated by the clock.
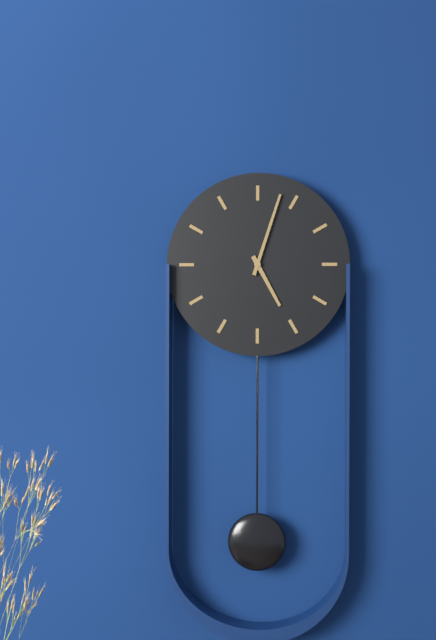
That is 5:03
